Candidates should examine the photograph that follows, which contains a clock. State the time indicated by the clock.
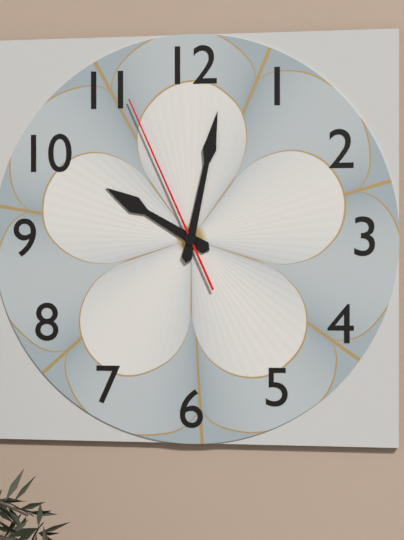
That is 10:02:56
